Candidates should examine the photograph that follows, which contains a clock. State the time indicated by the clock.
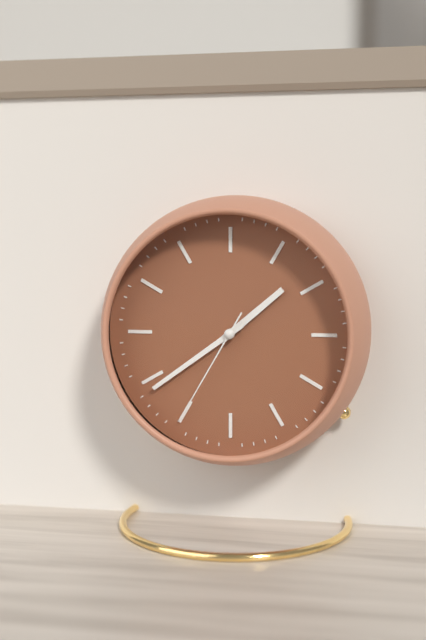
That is 1:39:35
